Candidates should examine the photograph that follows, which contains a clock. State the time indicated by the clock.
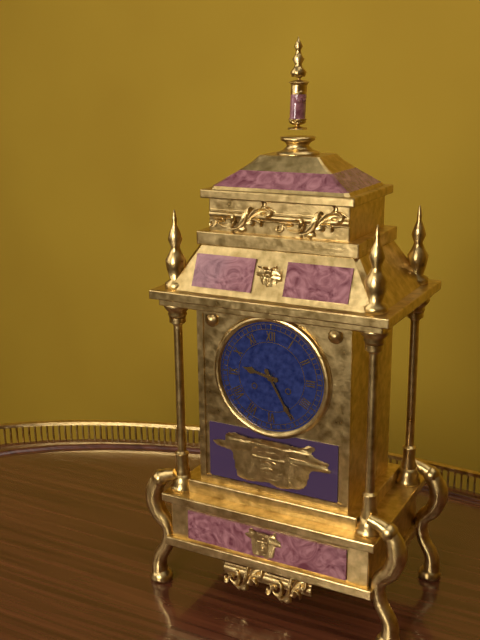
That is 9:25
